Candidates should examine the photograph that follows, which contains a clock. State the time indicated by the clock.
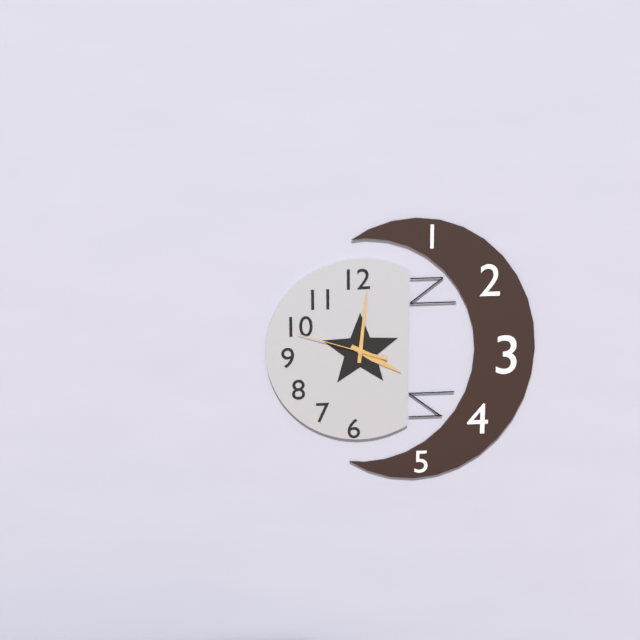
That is 4:01:48
